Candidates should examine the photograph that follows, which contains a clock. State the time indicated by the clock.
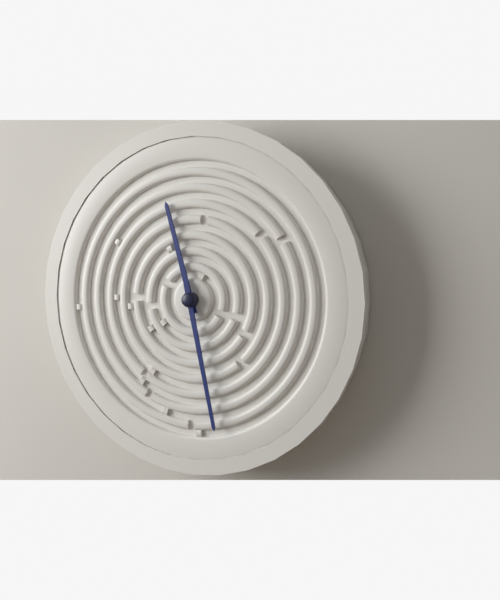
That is 11:28
